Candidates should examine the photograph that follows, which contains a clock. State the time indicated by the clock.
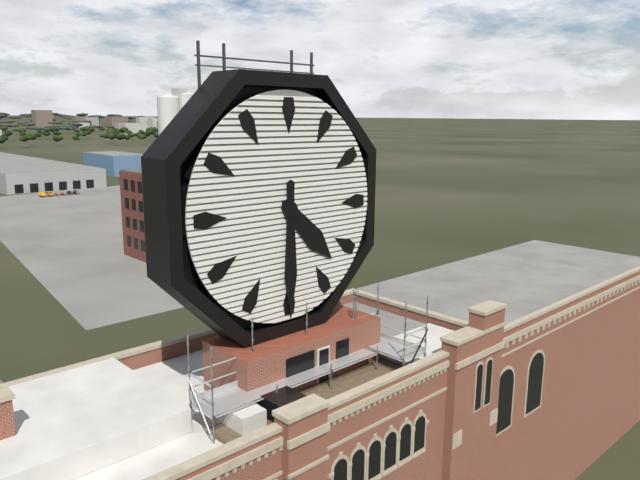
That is 4:30
